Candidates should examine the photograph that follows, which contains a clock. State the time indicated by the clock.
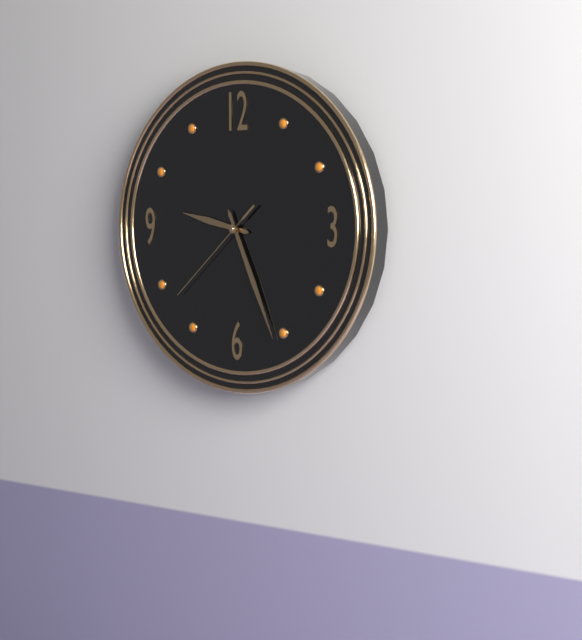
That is 9:26:38
